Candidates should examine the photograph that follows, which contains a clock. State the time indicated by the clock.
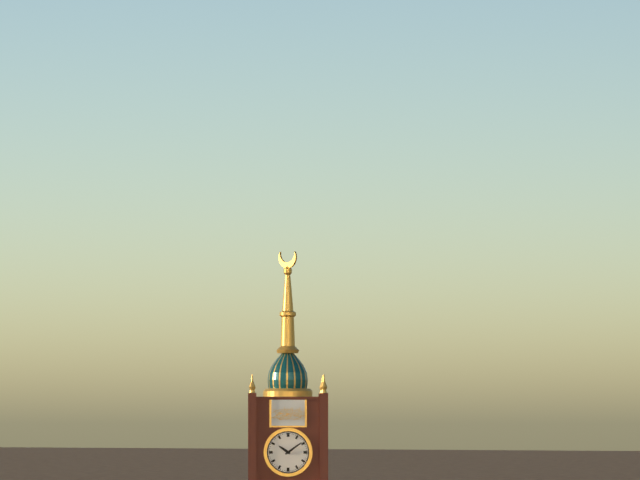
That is 10:09
